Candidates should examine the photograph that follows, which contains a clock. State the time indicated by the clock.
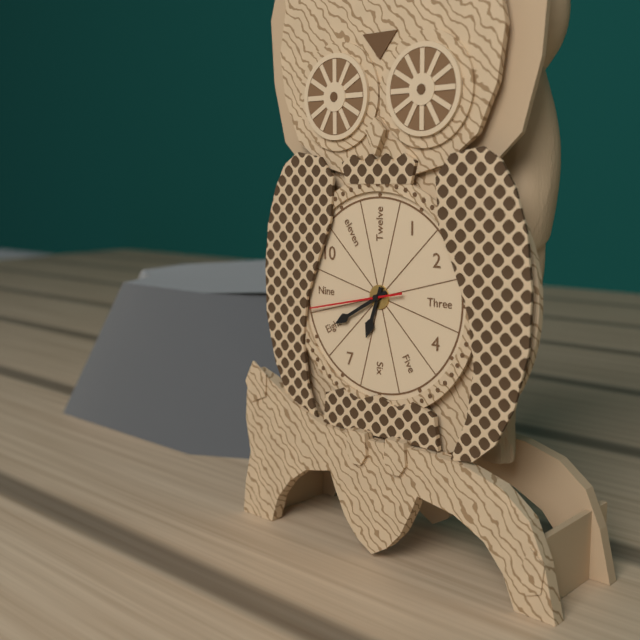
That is 6:40:43
